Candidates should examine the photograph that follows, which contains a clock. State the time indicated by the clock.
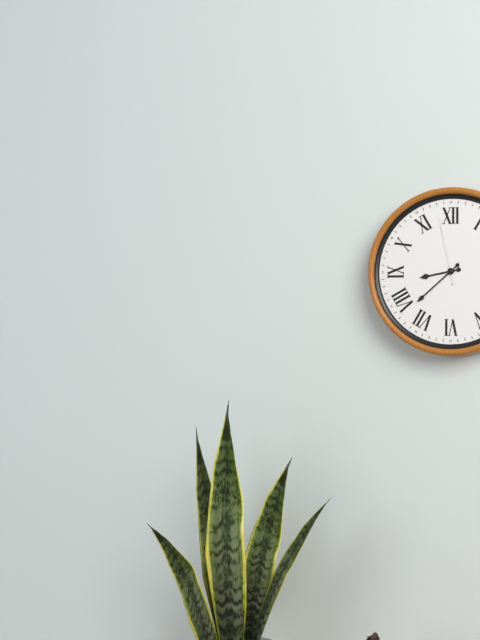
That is 8:38:58
